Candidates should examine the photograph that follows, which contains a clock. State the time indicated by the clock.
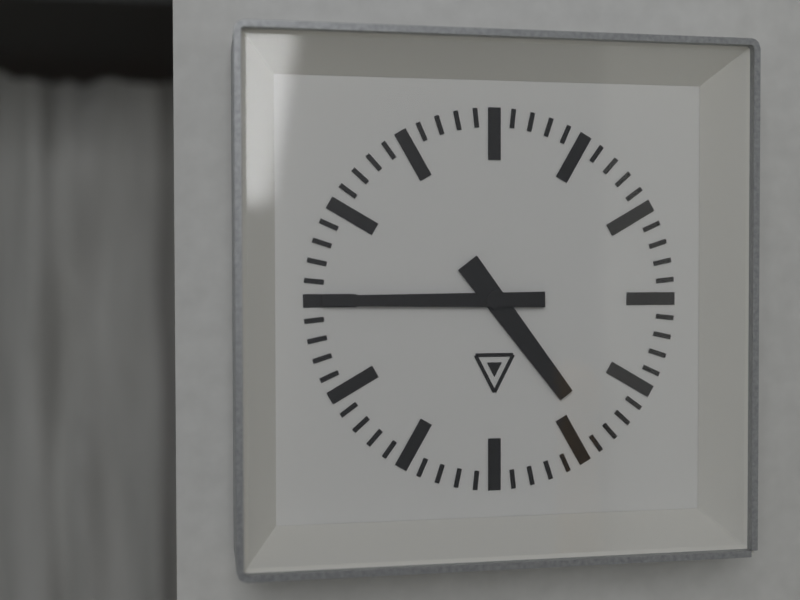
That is 4:45
